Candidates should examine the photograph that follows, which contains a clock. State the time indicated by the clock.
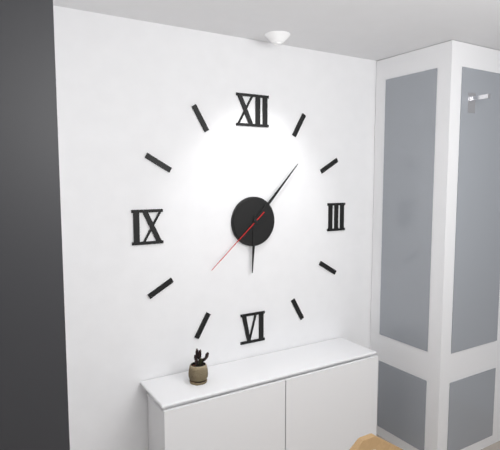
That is 6:07:38
